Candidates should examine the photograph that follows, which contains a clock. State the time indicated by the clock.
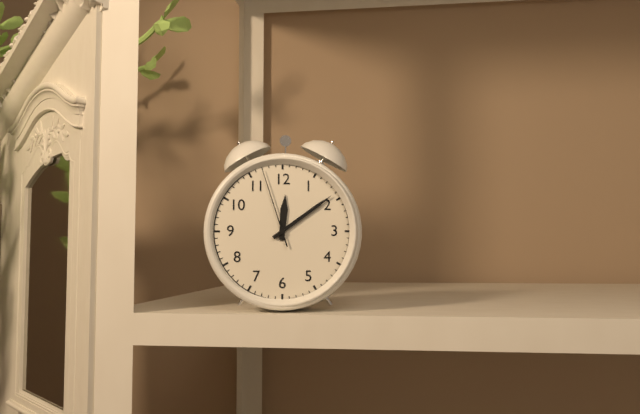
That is 12:09:57
